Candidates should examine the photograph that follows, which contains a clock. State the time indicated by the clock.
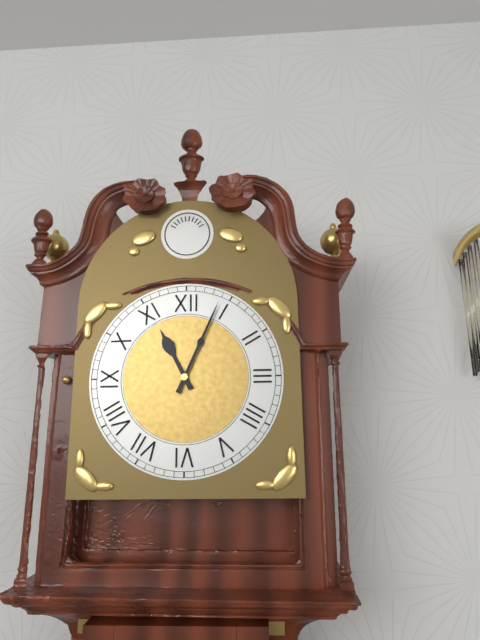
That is 11:04
